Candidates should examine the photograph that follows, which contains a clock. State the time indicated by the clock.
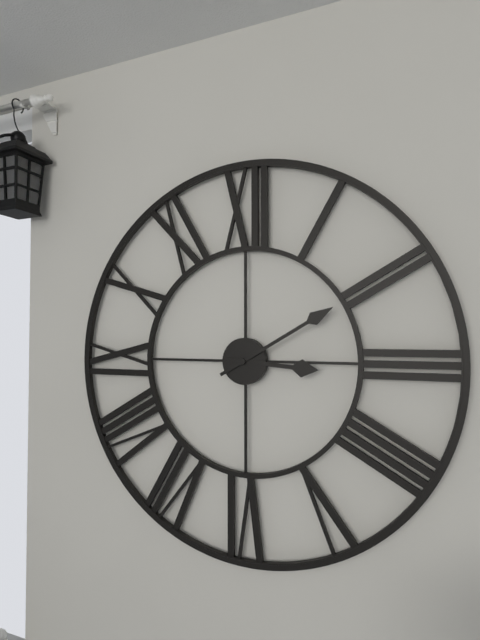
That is 3:10
